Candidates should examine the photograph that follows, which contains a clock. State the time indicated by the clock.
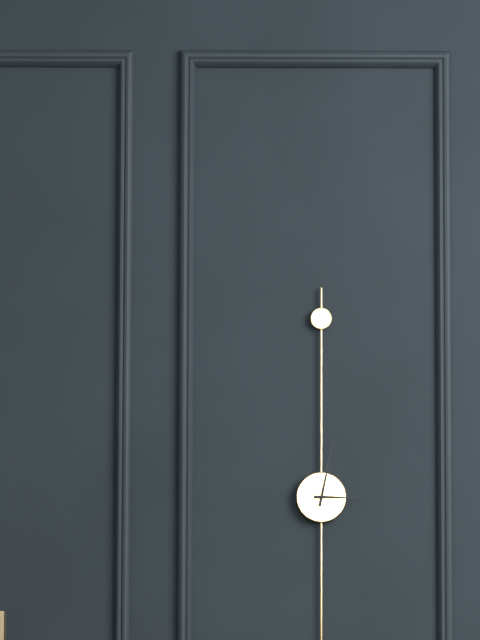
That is 3:02
